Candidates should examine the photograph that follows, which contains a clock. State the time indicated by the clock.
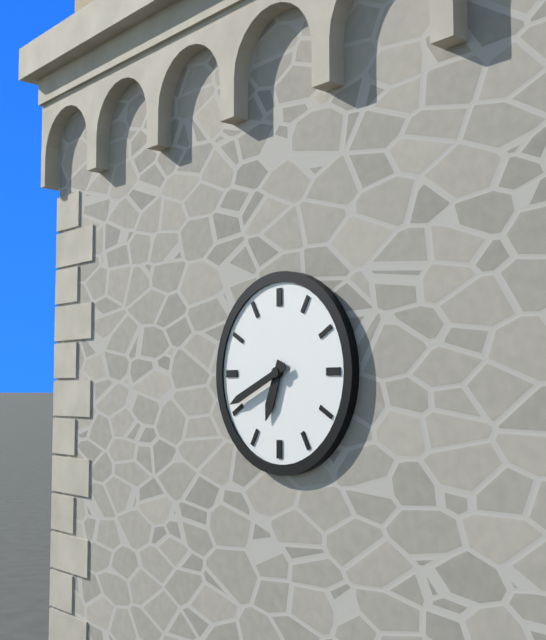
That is 6:41
